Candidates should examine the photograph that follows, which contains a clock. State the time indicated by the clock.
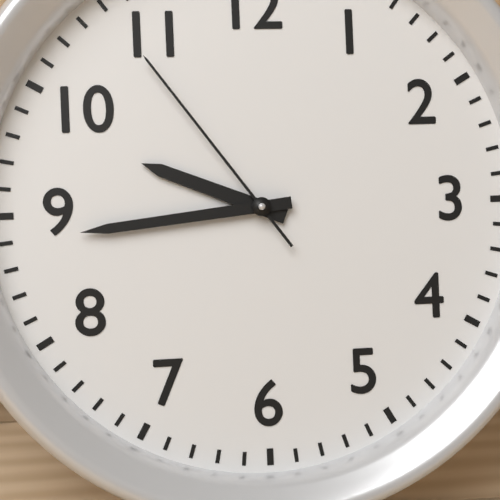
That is 9:44:54
